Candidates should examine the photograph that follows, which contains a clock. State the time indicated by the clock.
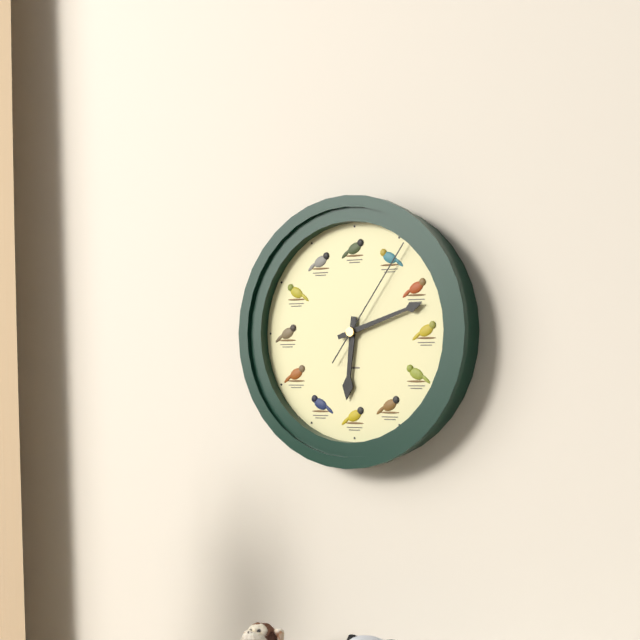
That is 6:12:06
